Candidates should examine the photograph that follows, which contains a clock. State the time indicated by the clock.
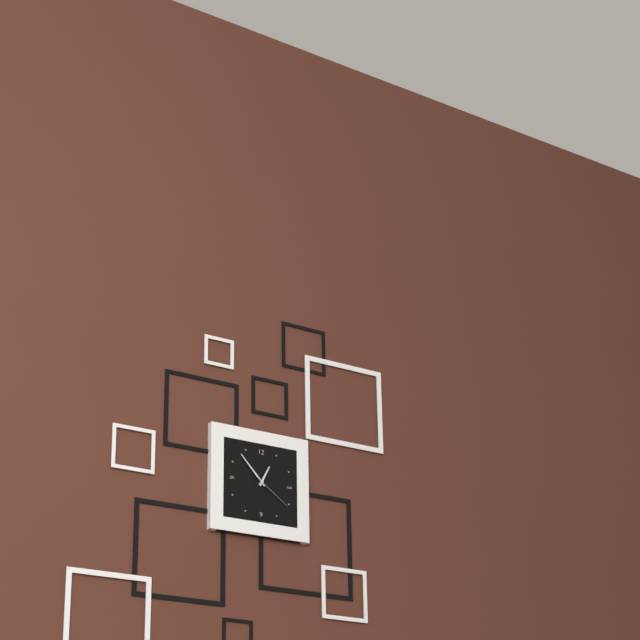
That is 12:53
